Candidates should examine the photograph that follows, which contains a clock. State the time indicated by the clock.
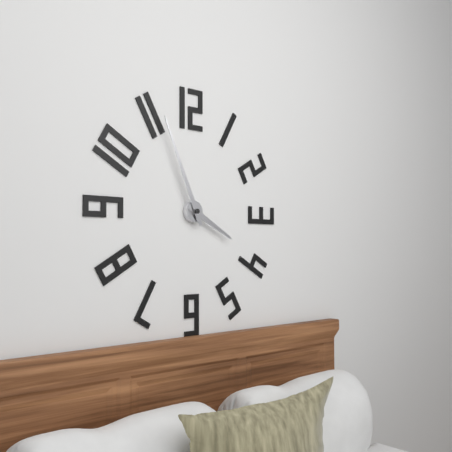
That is 3:56
